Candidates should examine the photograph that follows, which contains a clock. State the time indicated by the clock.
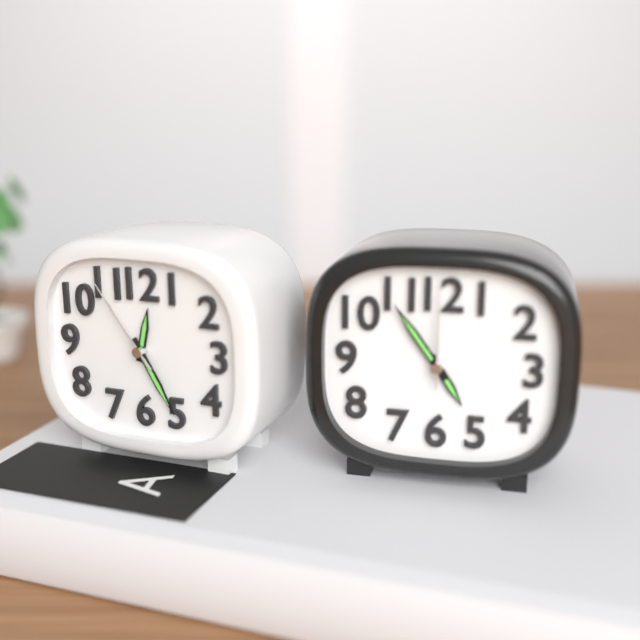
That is 12:25:54
